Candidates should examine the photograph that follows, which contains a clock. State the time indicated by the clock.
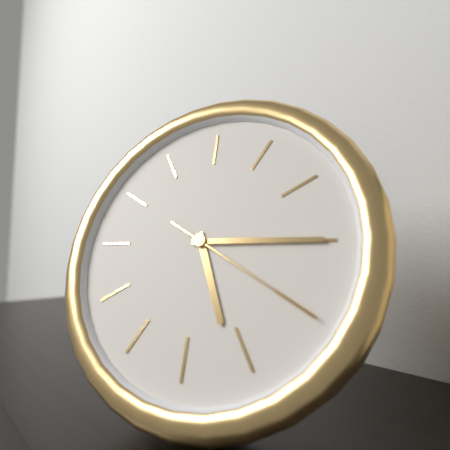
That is 5:15:20
